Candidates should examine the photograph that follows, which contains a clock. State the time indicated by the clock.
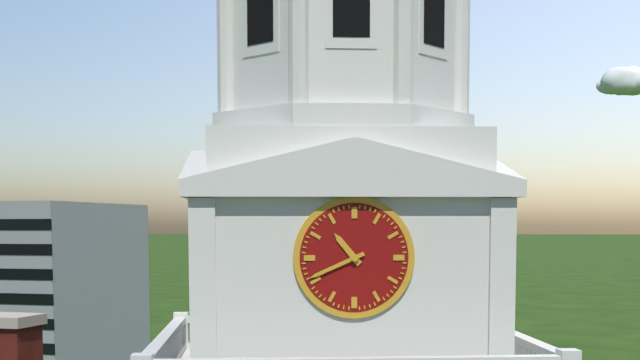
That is 10:41
